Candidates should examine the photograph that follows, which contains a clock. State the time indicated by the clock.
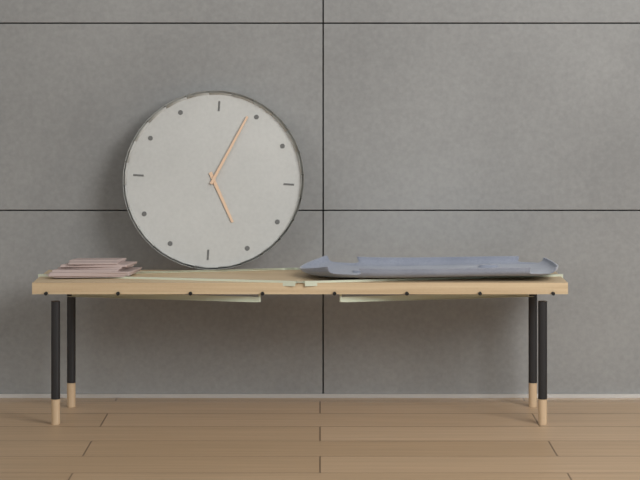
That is 5:04
